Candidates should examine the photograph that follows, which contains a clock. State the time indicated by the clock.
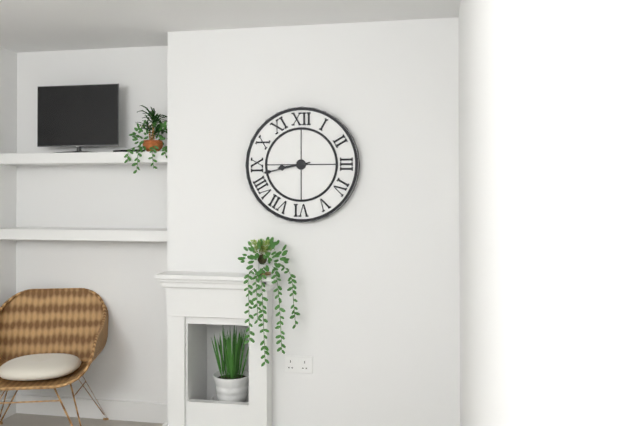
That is 8:43
